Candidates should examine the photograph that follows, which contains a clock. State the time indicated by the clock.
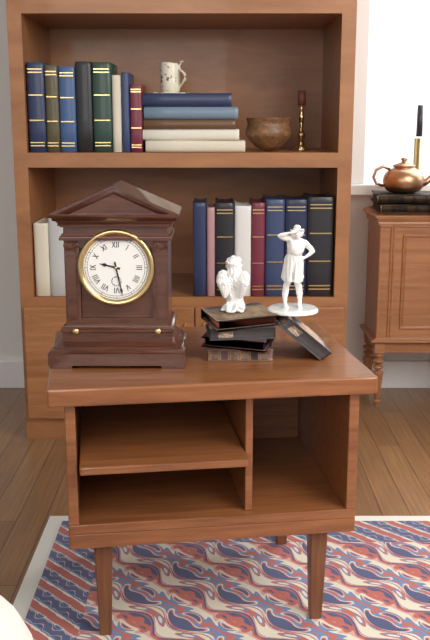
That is 9:28
